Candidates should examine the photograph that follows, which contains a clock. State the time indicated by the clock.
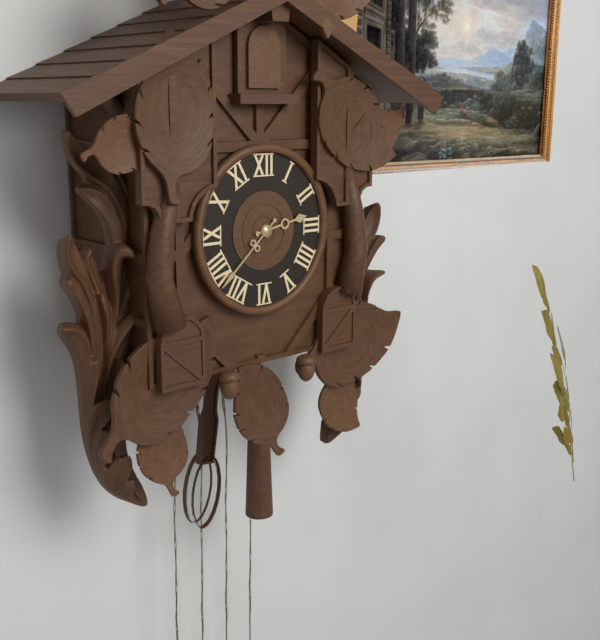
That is 2:38
